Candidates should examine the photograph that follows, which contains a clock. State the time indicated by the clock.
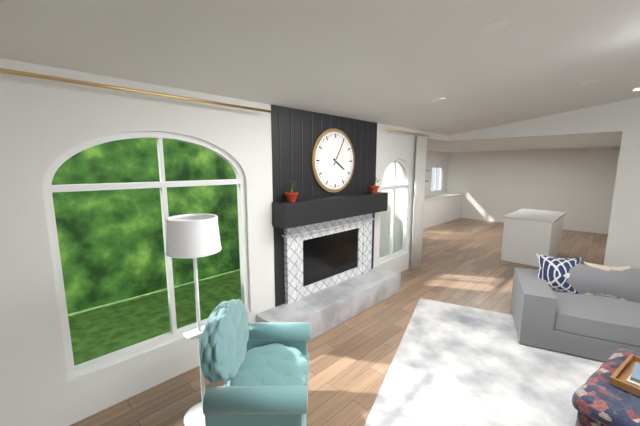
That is 4:05
